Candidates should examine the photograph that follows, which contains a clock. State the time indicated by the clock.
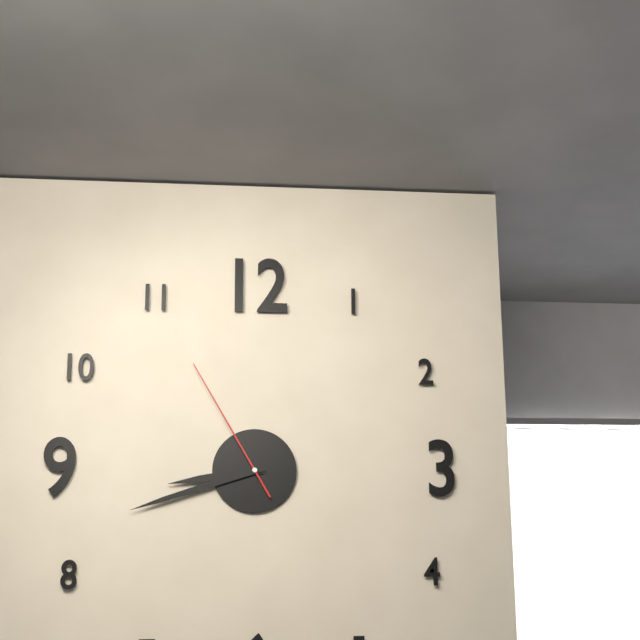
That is 8:42:55
